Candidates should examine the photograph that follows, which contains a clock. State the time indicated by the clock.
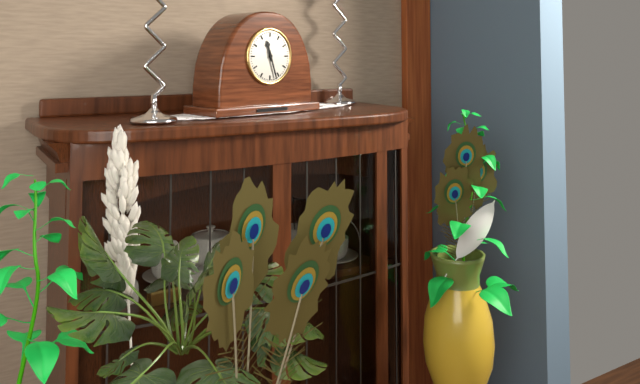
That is 11:27
